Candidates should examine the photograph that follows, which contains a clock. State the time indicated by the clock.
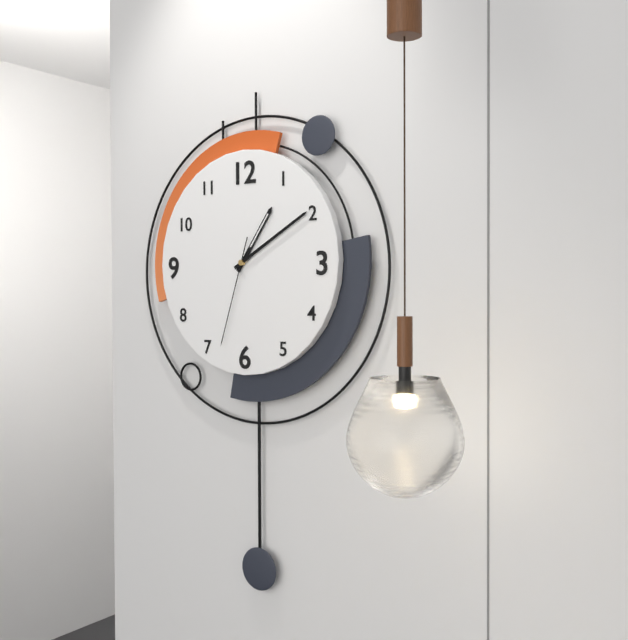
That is 1:10:33
